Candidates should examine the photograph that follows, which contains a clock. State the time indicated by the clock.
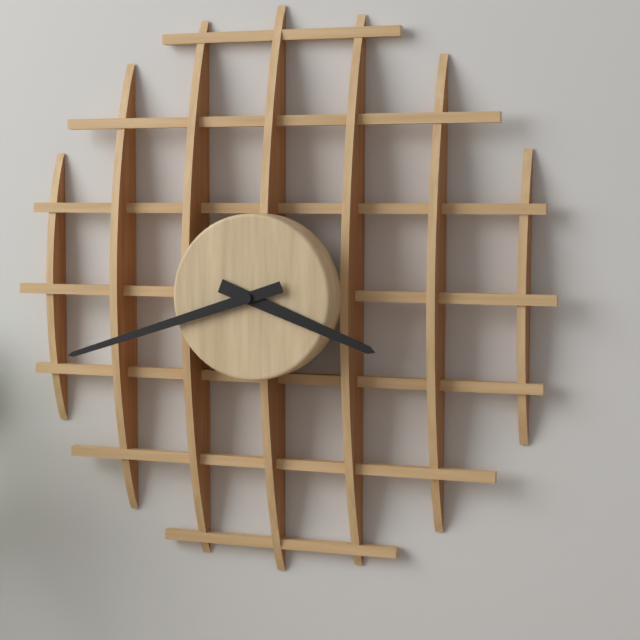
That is 3:42
